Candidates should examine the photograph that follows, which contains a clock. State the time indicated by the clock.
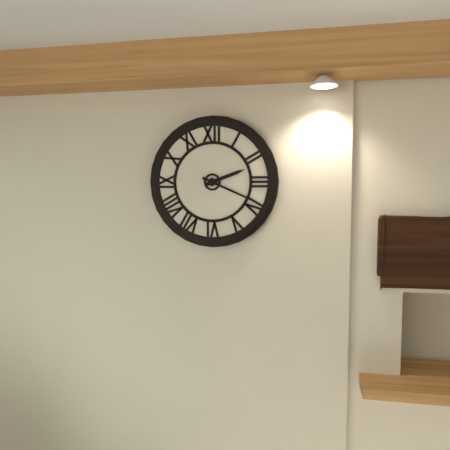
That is 2:19
